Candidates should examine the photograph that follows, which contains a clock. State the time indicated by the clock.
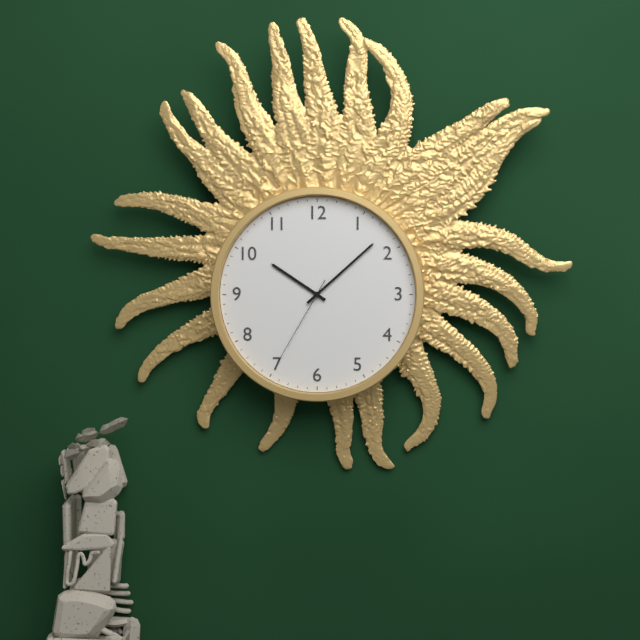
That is 10:08:35
